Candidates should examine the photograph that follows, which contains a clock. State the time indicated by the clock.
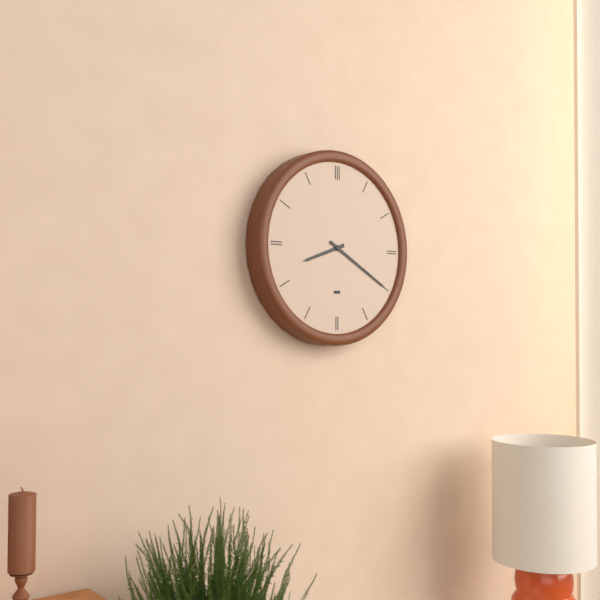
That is 8:20
